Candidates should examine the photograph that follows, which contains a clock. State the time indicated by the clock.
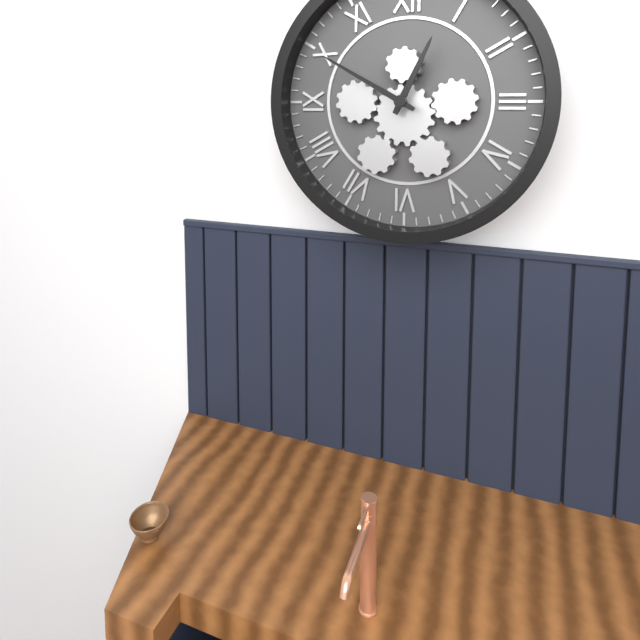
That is 12:50
